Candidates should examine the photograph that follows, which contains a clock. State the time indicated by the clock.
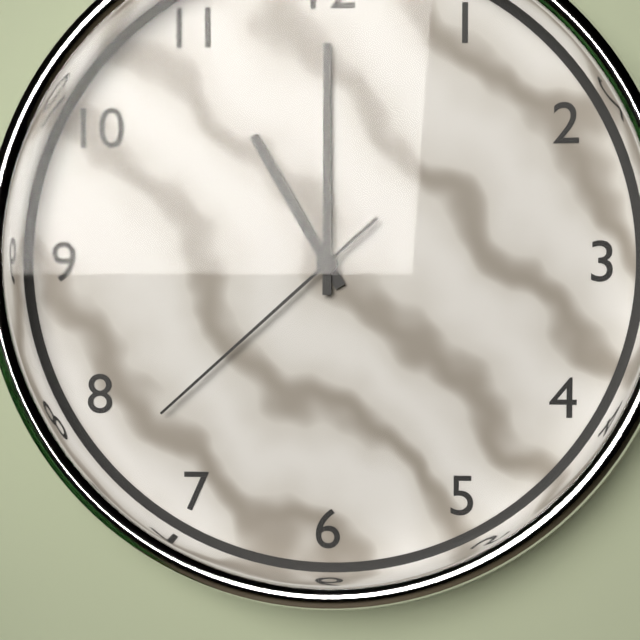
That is 11:00:38
